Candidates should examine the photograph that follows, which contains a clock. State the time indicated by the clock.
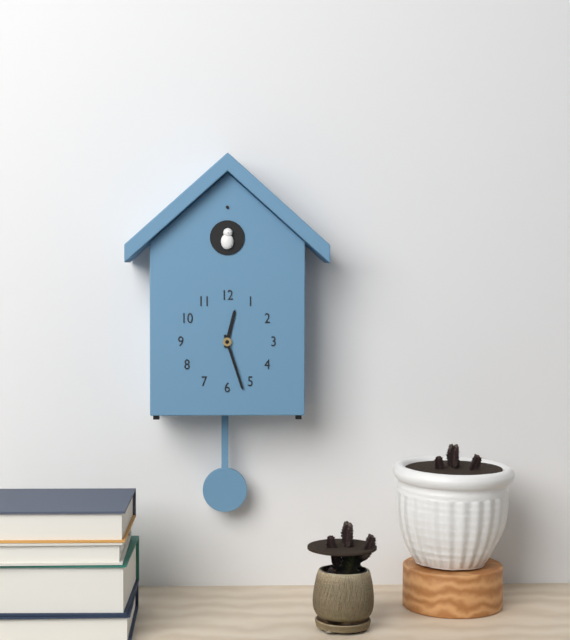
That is 12:27
